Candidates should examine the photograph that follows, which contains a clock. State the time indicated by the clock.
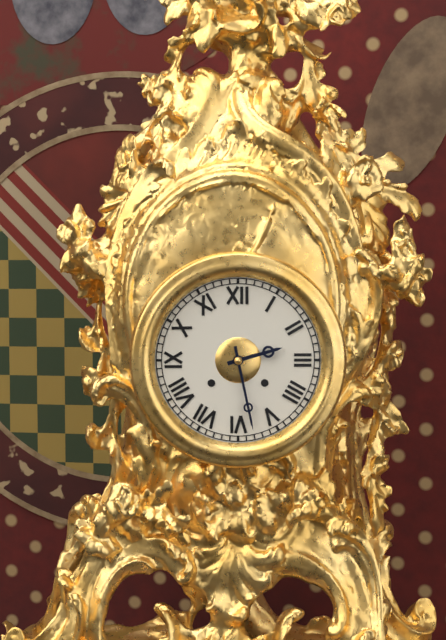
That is 2:28
